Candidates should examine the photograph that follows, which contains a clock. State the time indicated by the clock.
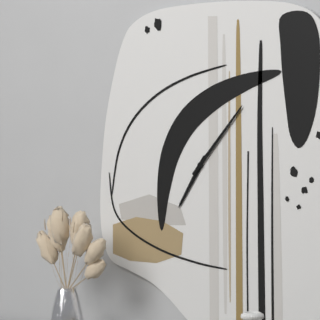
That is 7:07
